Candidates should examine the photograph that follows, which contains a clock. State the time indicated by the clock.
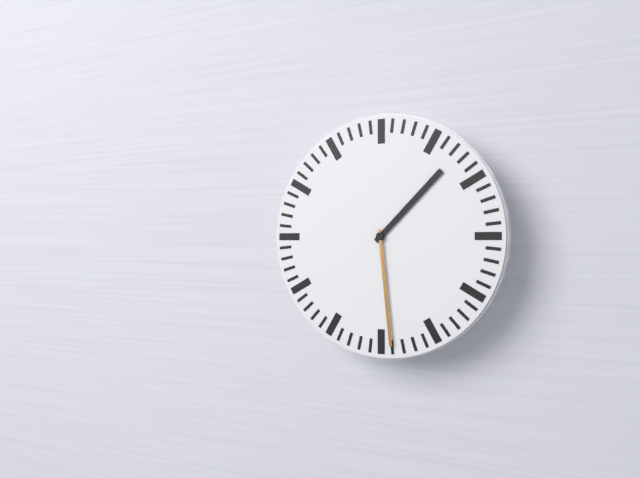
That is 1:29
